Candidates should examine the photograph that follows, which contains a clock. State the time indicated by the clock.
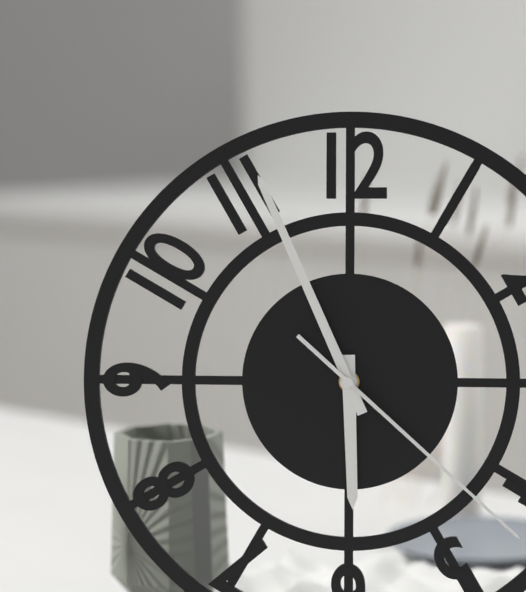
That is 5:56:22
